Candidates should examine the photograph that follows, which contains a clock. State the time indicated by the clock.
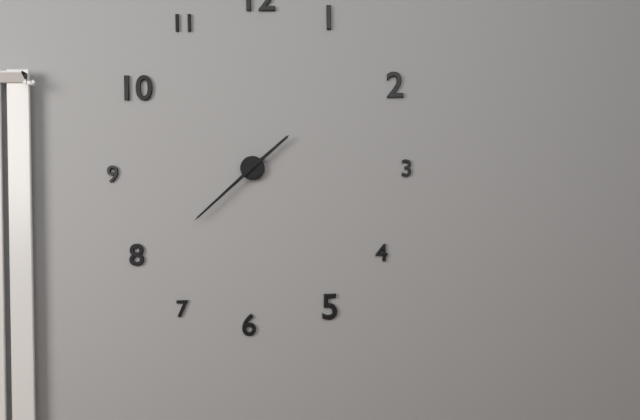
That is 1:38
